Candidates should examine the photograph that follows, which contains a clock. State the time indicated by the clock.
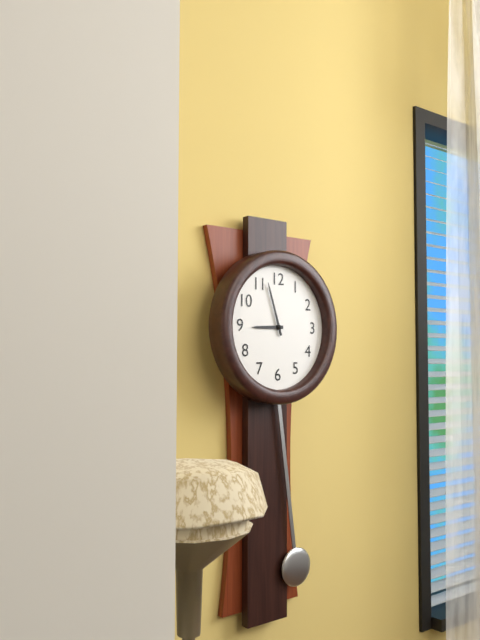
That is 8:57
